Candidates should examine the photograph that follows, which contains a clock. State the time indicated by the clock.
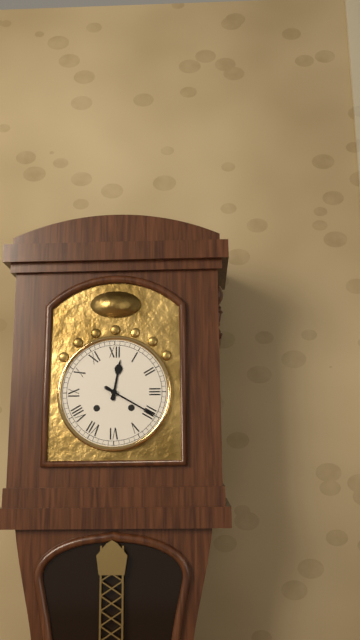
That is 12:20
